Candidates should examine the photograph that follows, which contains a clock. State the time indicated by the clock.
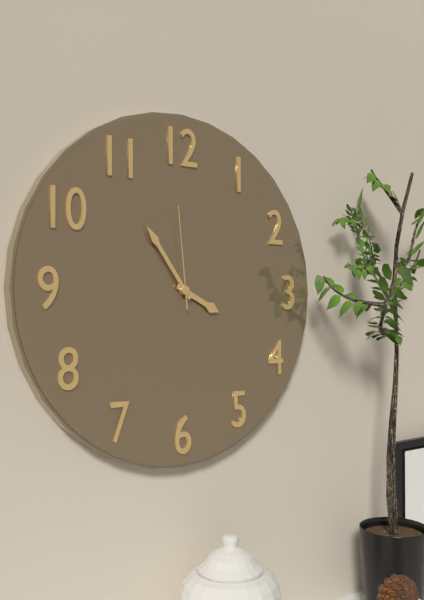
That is 3:54:59
